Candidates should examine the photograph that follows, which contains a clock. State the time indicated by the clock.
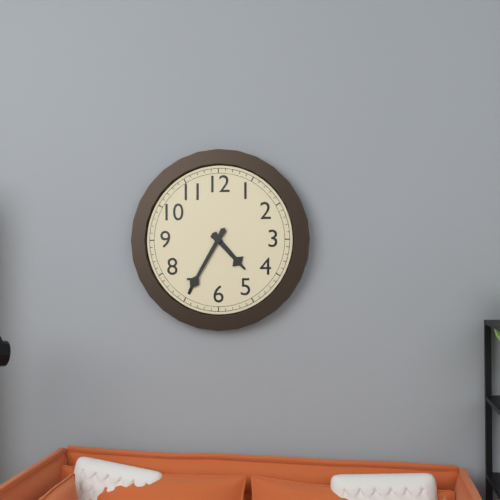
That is 4:35
